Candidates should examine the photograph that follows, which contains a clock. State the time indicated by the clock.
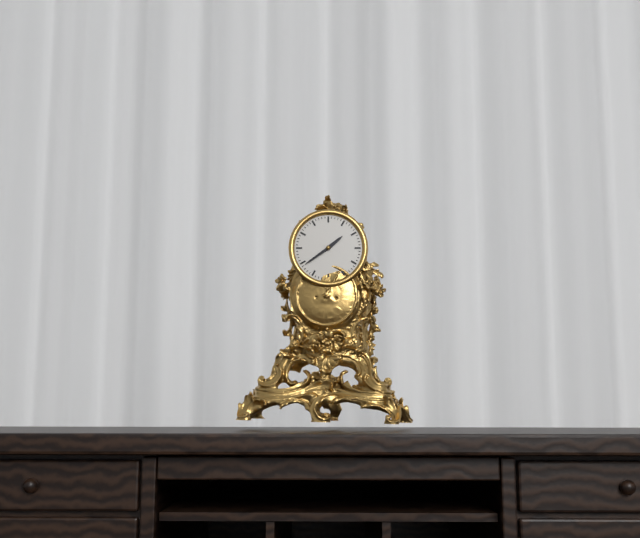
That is 1:39
